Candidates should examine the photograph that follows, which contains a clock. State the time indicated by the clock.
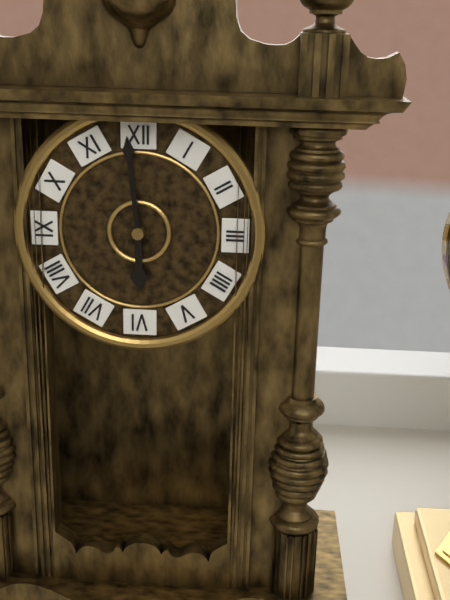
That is 5:59
